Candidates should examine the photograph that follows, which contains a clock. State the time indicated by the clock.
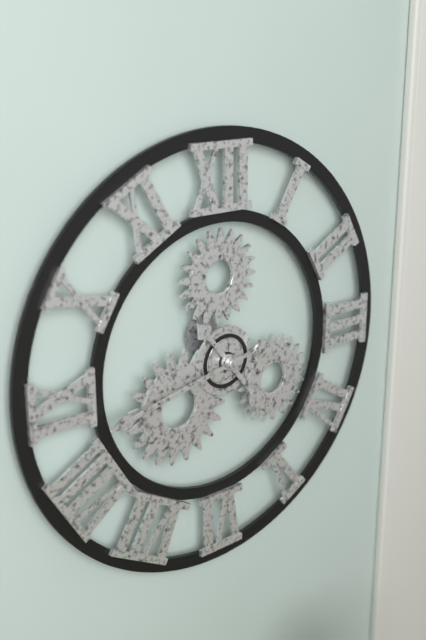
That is 4:43
